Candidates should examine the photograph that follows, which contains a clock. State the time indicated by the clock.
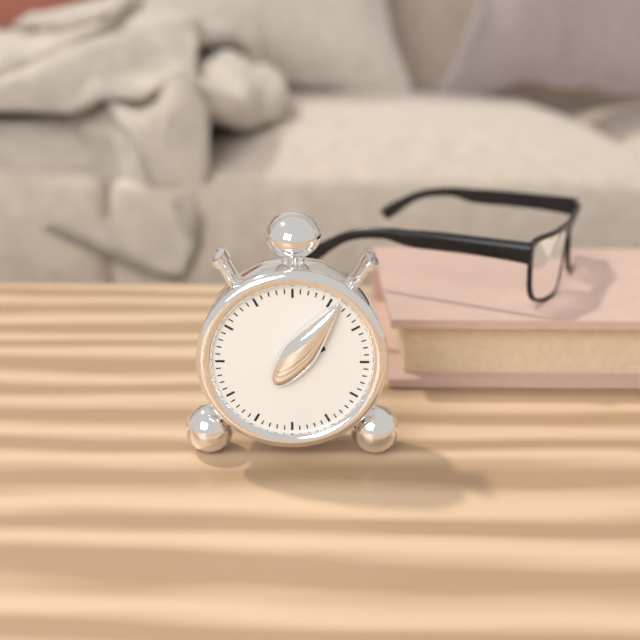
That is 2:06
